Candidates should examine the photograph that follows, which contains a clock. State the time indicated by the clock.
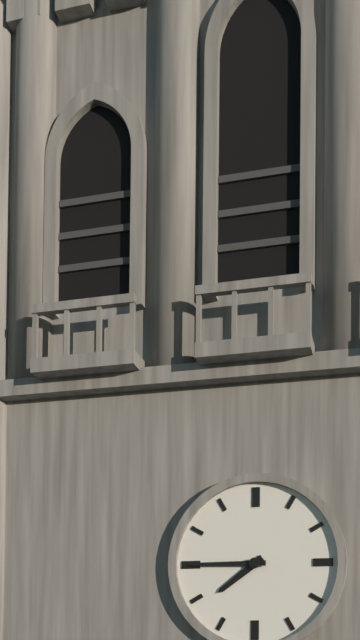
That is 7:45
